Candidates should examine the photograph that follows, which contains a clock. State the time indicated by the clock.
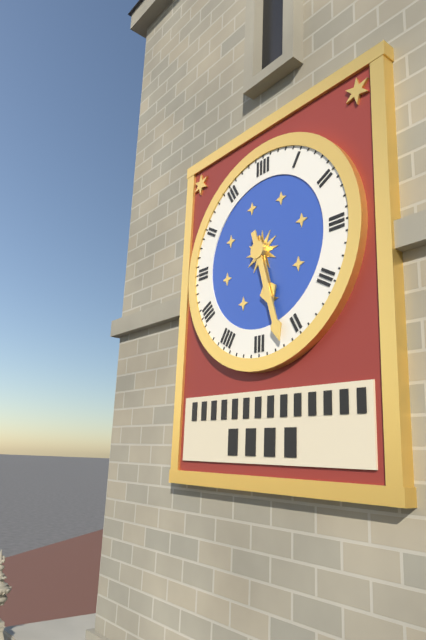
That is 5:27
